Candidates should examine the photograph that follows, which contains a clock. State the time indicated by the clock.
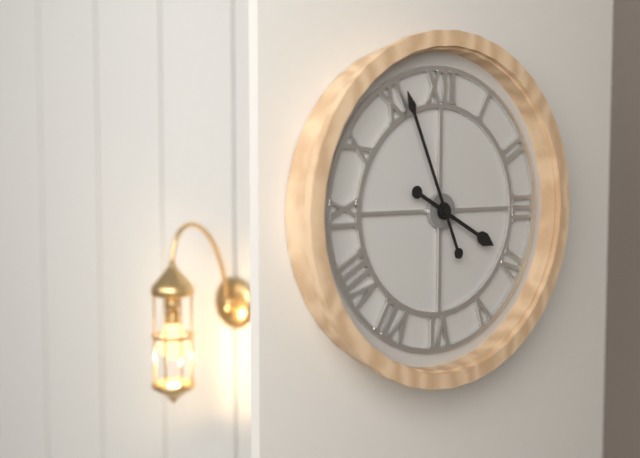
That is 3:56
